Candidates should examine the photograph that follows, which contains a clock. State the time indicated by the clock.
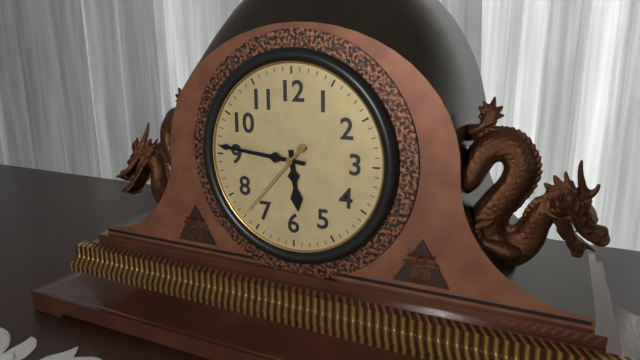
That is 5:46:37
